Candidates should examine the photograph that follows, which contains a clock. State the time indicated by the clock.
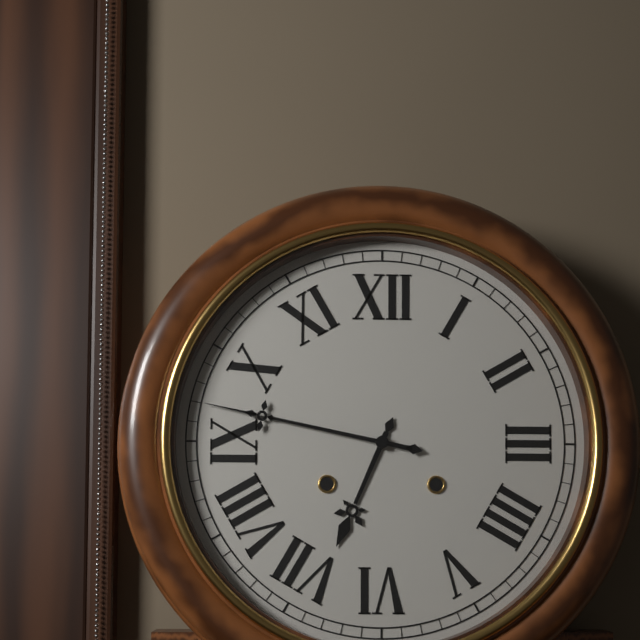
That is 6:47
